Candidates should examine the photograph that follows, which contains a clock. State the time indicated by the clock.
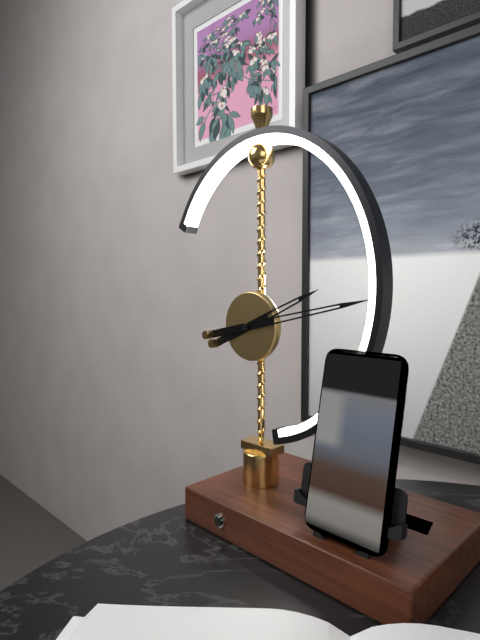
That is 2:13
